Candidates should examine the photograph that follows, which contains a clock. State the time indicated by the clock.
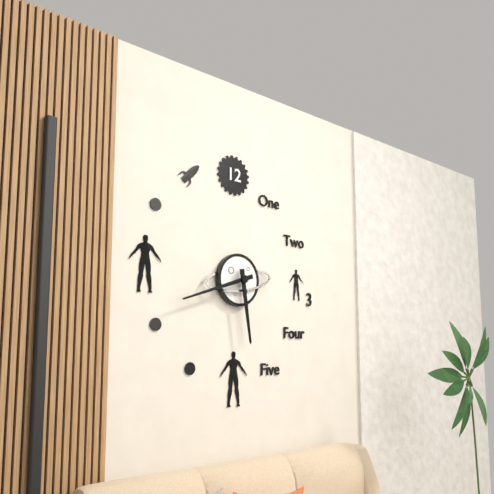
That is 5:42
